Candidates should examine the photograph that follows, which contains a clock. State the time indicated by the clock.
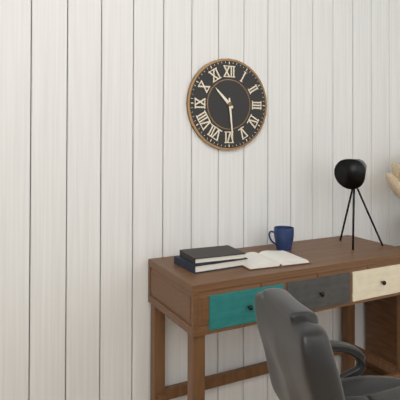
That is 10:29
